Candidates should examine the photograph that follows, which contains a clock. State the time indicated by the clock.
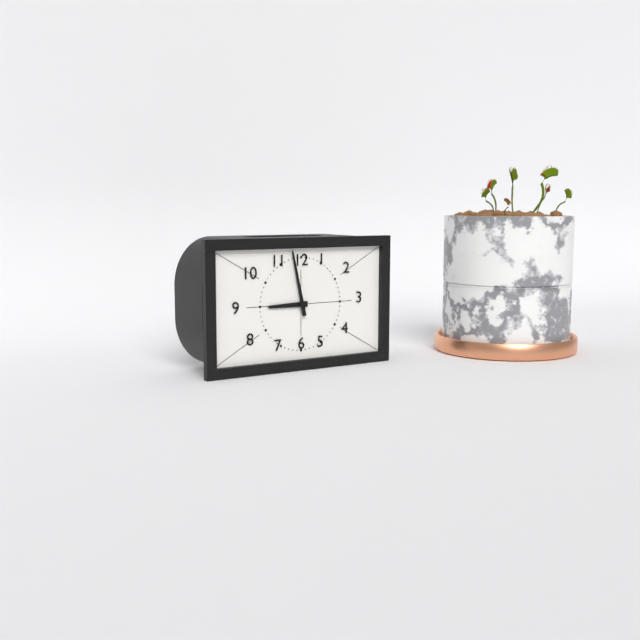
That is 8:58
